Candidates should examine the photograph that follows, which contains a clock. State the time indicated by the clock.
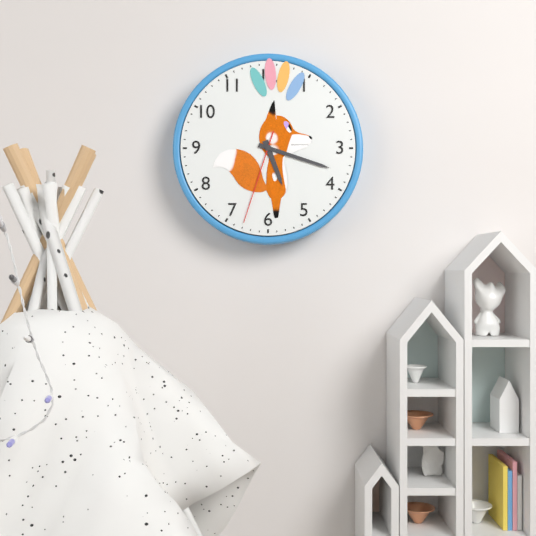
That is 5:18:33
